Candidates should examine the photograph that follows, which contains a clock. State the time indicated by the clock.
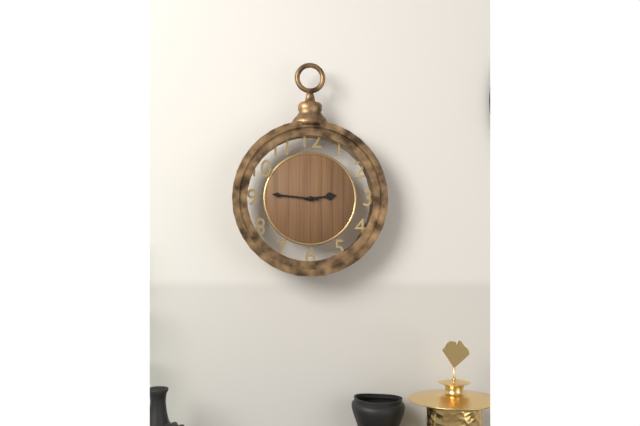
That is 2:46
